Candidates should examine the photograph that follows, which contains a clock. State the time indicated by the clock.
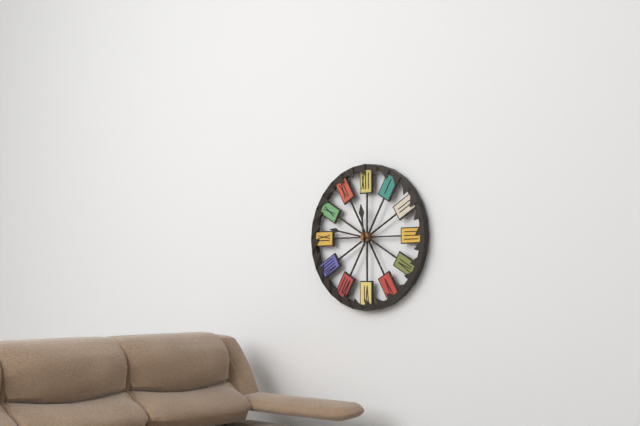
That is 11:47
